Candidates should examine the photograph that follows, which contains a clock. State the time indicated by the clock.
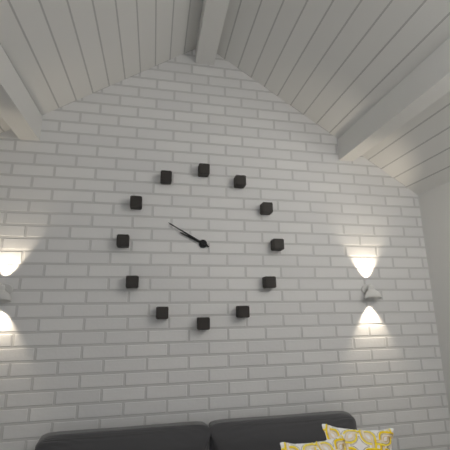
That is 9:50
